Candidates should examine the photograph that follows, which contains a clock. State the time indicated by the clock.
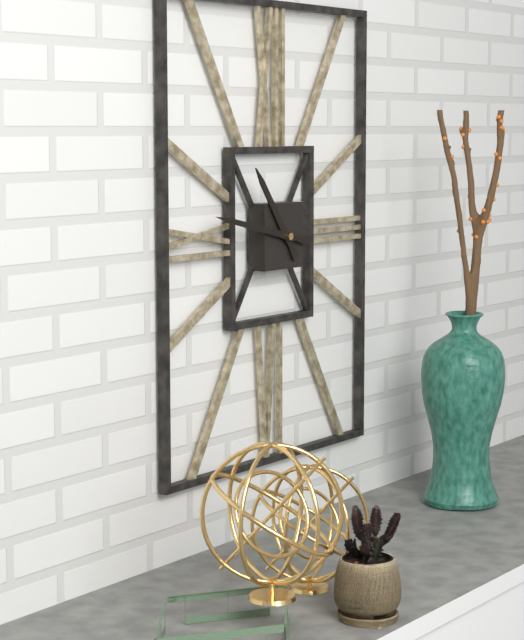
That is 10:47
